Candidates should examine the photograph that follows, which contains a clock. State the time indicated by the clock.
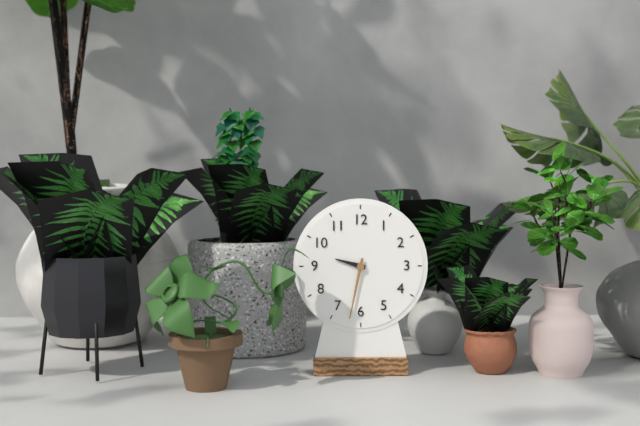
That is 9:32
